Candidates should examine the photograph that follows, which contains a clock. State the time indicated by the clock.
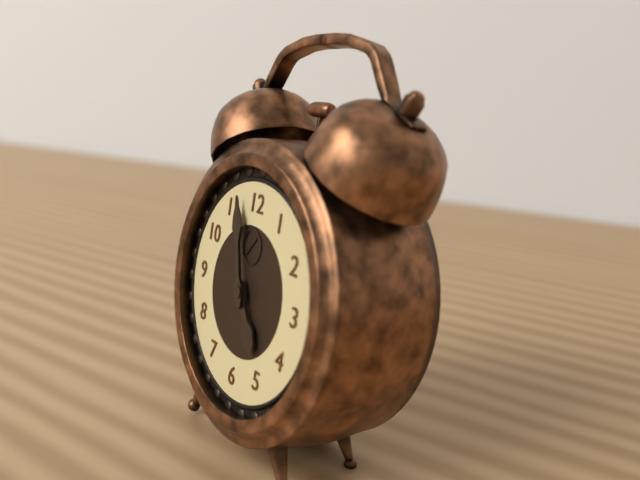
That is 4:57
